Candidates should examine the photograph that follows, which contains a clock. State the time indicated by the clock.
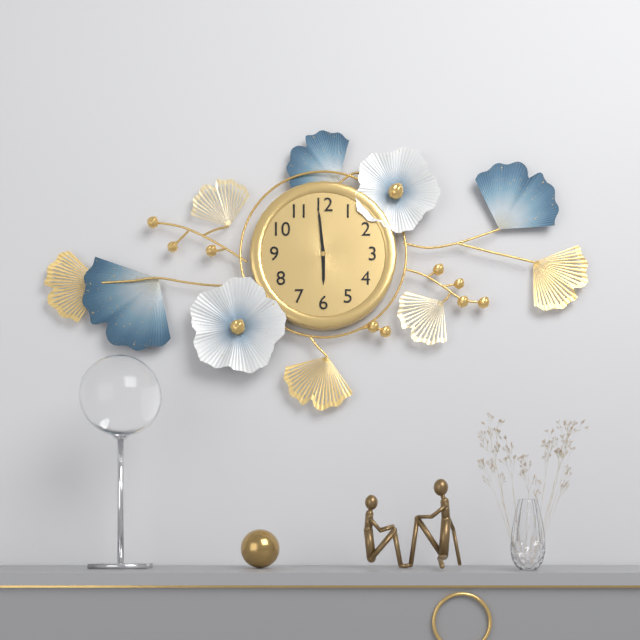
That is 5:59
